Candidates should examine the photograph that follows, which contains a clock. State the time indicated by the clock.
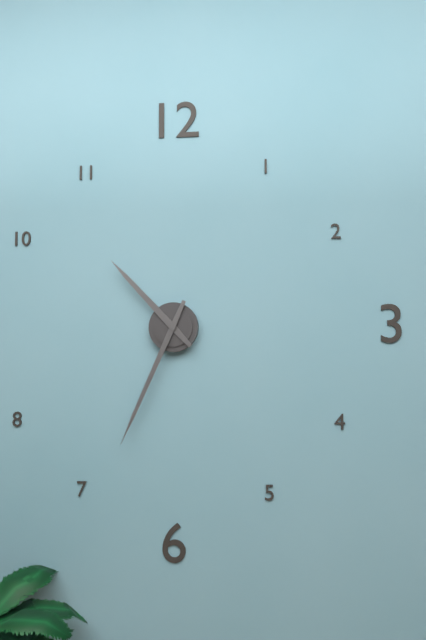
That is 10:34
